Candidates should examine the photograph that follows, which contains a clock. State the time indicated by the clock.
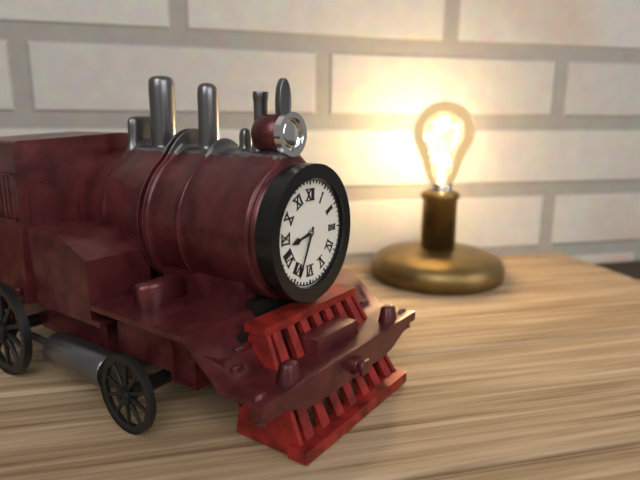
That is 8:34
